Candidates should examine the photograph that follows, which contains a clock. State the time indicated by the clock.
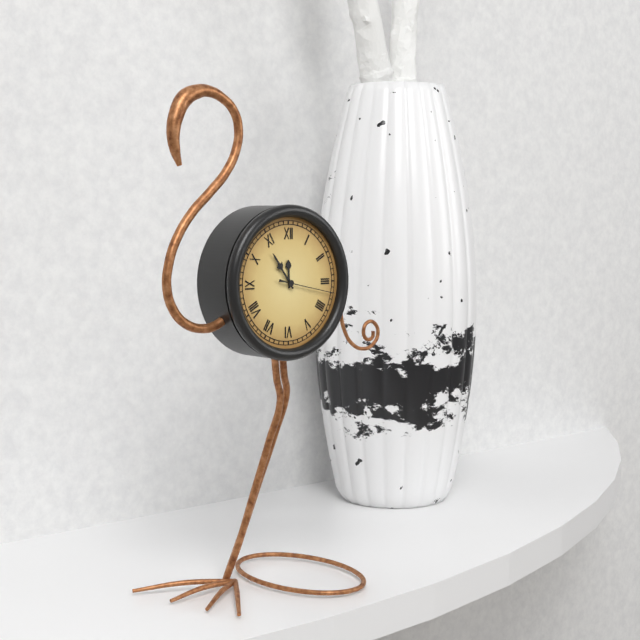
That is 11:54:17
